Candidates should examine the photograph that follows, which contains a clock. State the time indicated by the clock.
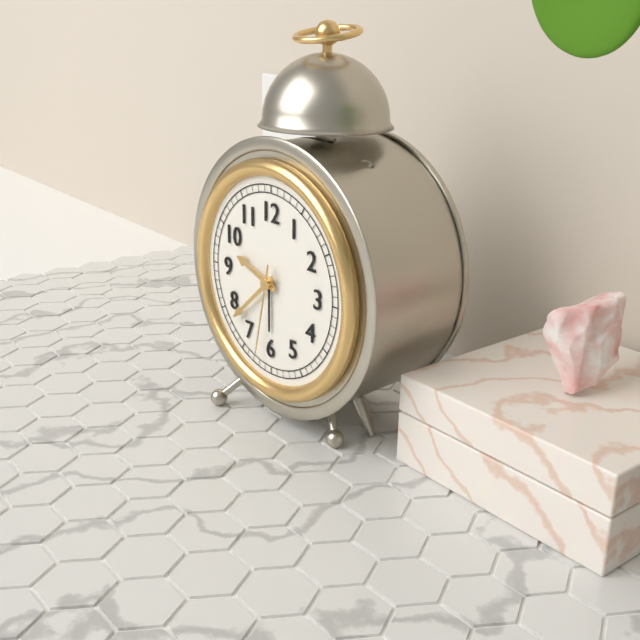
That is 9:38:32
